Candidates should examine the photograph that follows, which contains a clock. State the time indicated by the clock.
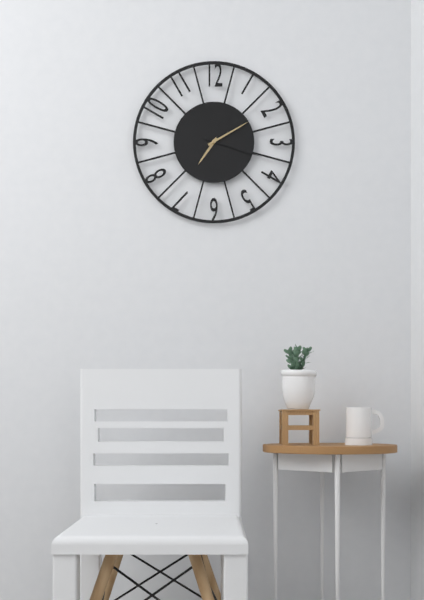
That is 7:10:18
